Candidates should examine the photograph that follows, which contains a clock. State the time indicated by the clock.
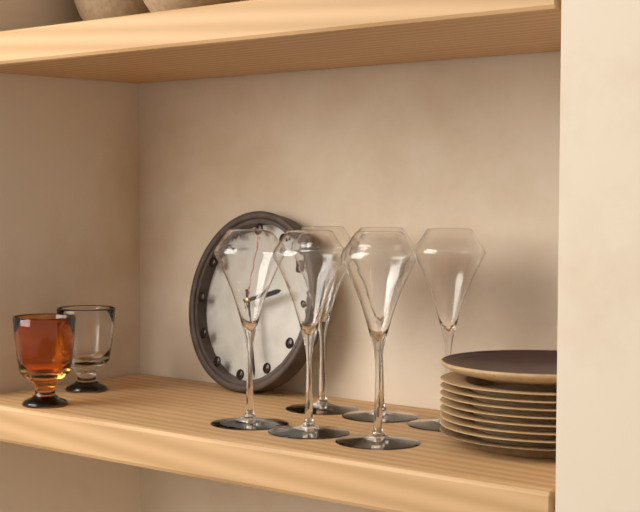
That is 2:27:01
